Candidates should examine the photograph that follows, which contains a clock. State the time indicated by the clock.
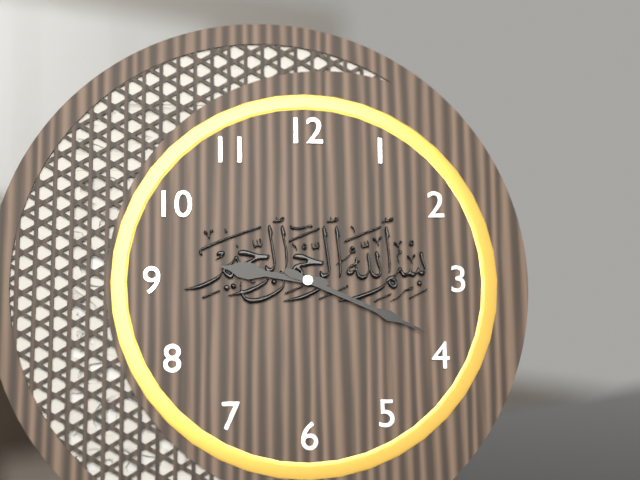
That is 9:19
